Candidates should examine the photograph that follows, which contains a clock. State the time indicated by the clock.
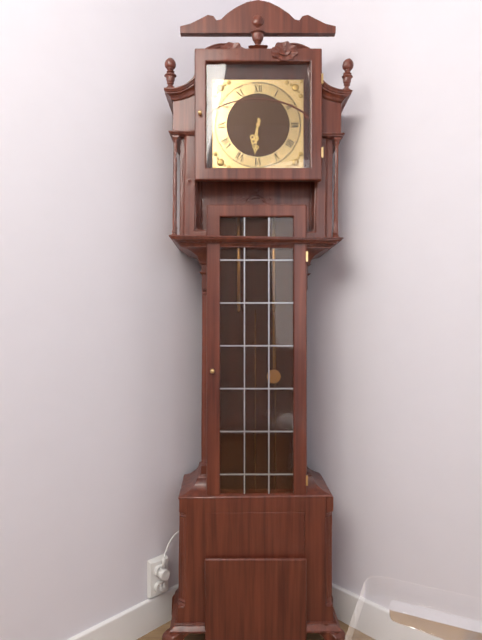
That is 6:31
